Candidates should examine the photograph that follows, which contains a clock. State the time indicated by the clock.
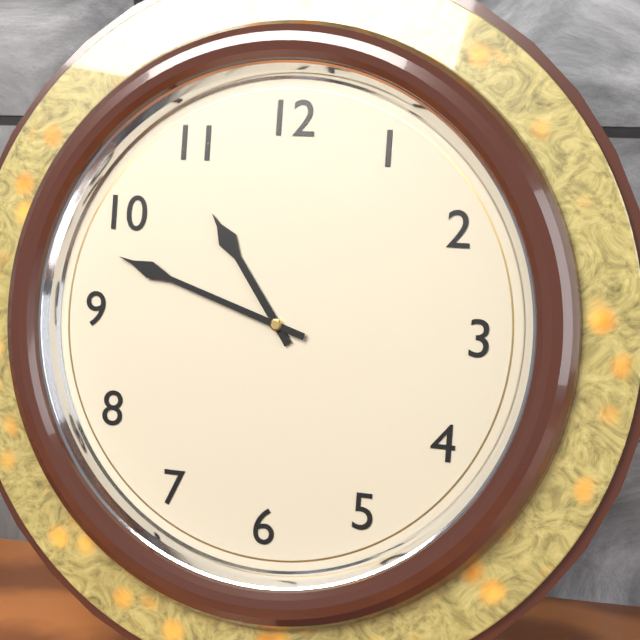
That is 10:48
